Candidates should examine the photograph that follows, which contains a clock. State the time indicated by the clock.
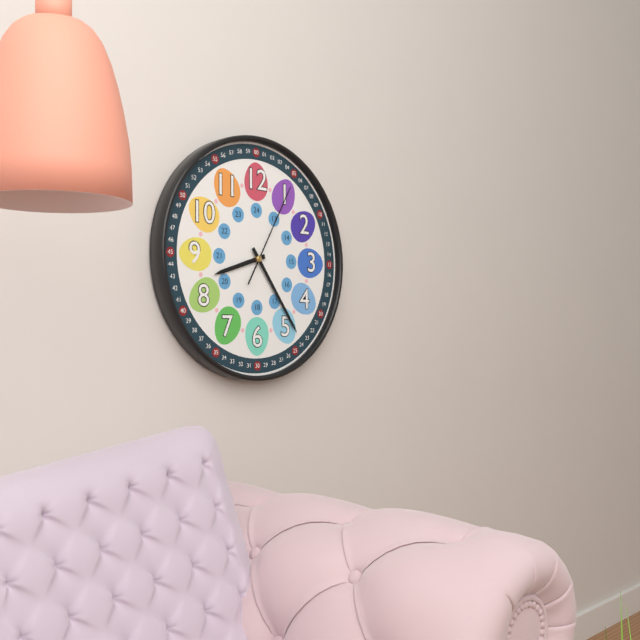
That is 8:24:05
